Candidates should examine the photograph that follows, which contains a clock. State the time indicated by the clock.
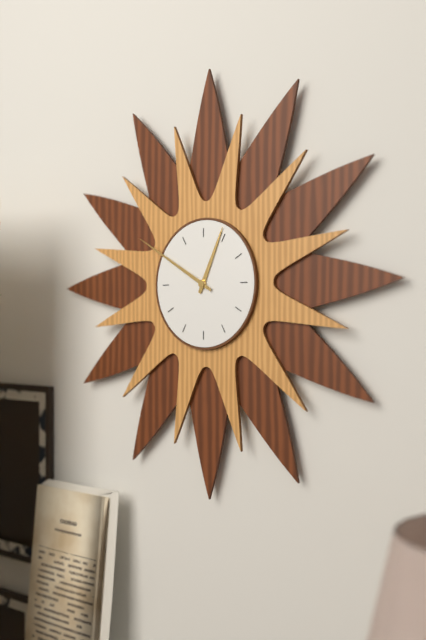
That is 12:50
